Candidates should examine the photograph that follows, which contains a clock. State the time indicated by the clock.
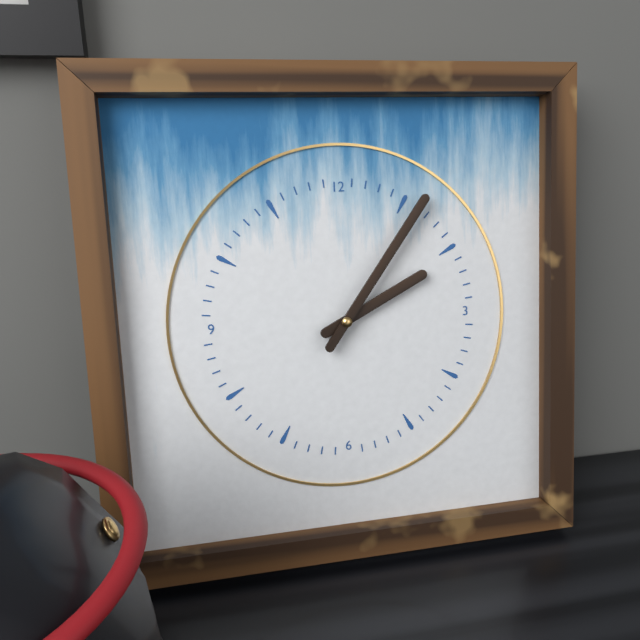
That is 2:06
